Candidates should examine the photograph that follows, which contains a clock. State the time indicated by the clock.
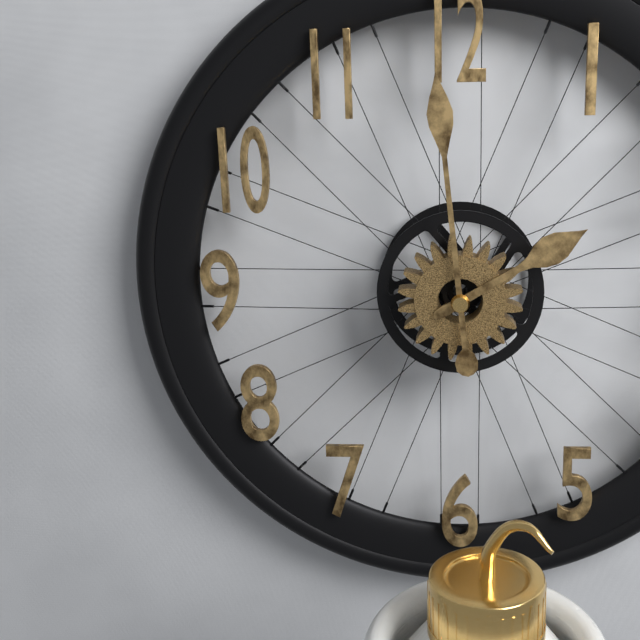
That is 1:59
